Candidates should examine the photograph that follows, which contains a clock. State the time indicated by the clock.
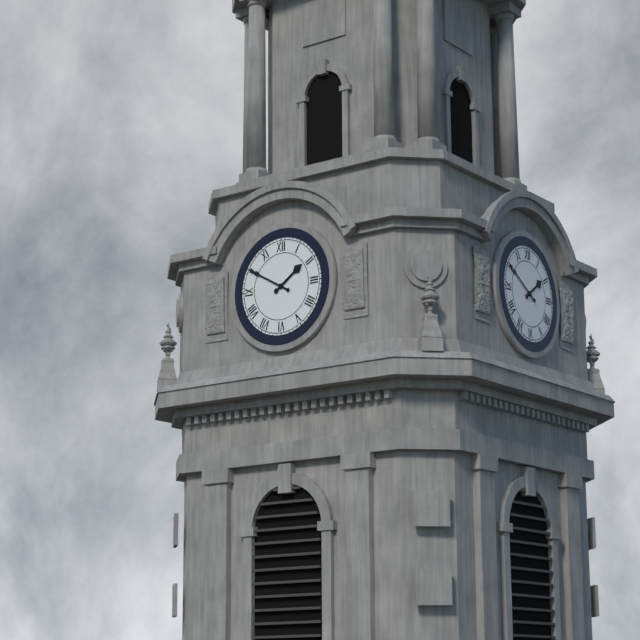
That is 1:50
